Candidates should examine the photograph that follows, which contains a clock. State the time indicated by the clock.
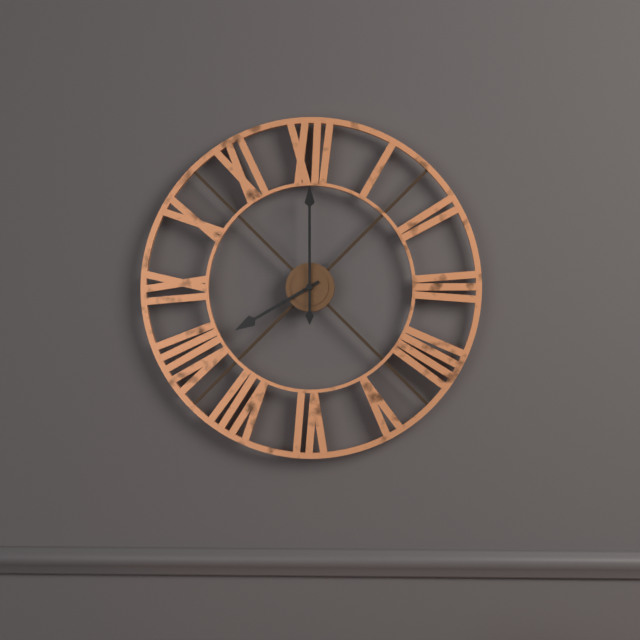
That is 8:00
